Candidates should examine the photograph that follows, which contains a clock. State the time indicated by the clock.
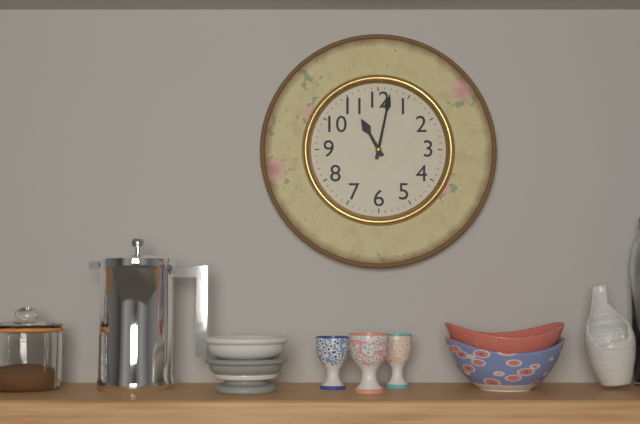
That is 11:02
